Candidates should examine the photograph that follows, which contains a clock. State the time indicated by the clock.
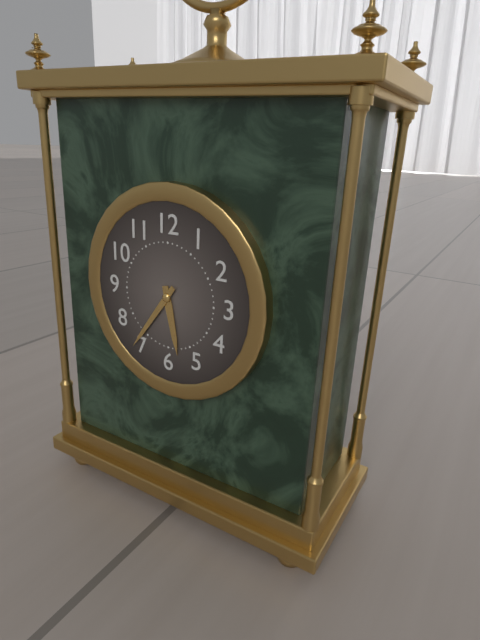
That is 5:36
